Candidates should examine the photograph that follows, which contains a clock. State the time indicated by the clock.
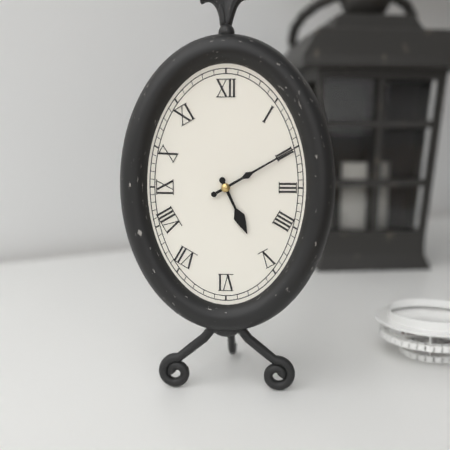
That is 5:10
